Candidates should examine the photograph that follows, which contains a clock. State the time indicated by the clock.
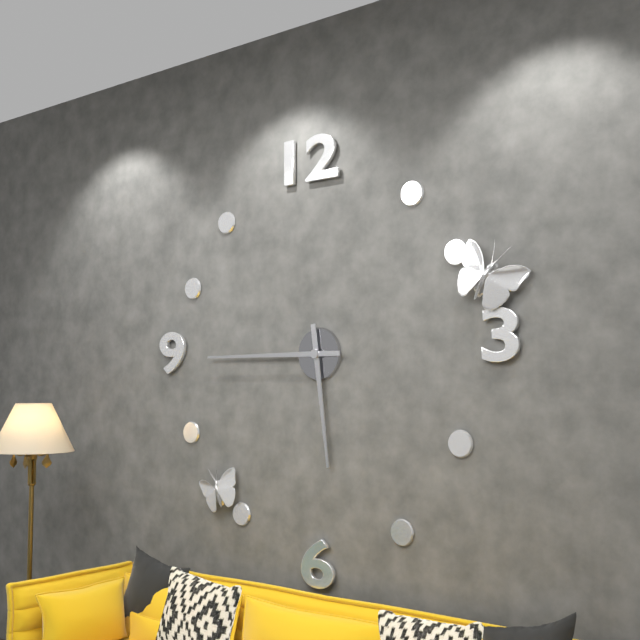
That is 5:45
